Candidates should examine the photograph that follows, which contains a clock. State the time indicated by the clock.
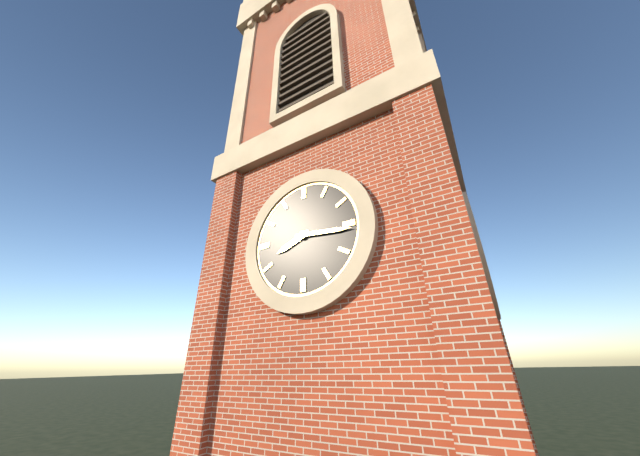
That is 8:16
